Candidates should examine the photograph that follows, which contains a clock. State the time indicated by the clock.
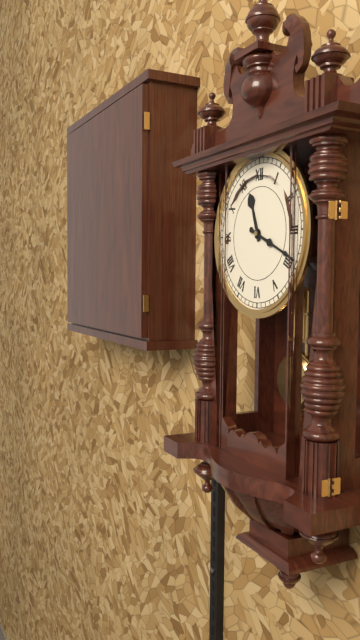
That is 11:19
